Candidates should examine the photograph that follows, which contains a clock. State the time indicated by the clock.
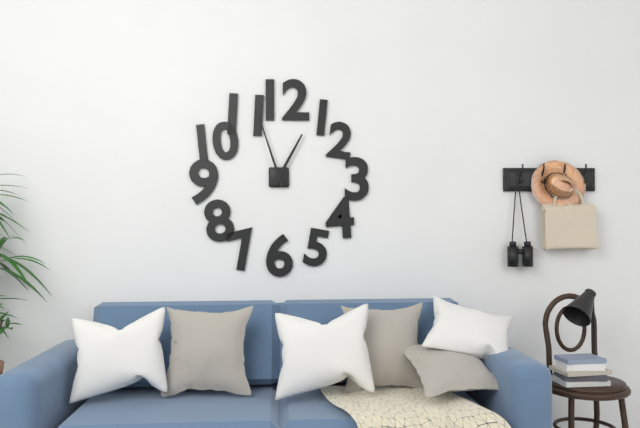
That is 12:57
